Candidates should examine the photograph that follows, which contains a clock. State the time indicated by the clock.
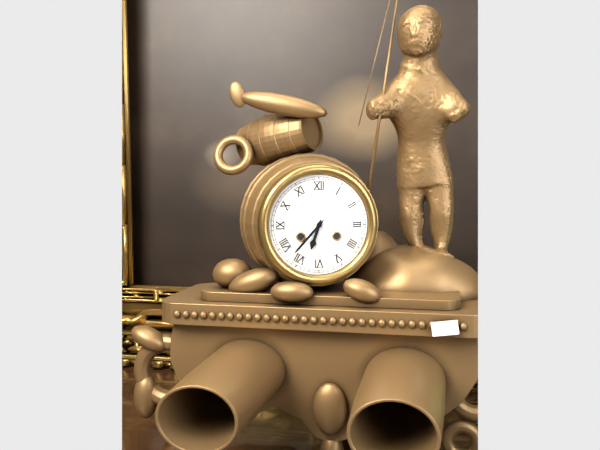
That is 6:37
